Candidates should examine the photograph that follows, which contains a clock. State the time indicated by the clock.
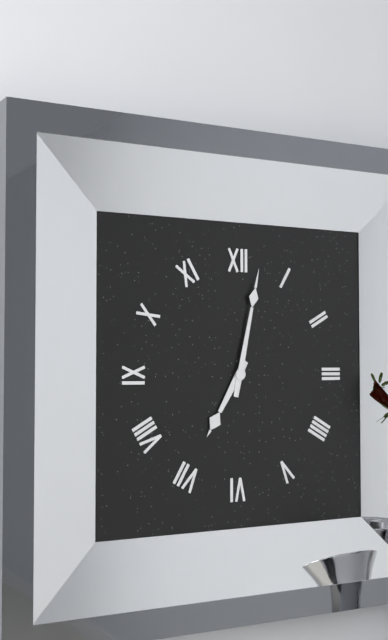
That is 7:02
